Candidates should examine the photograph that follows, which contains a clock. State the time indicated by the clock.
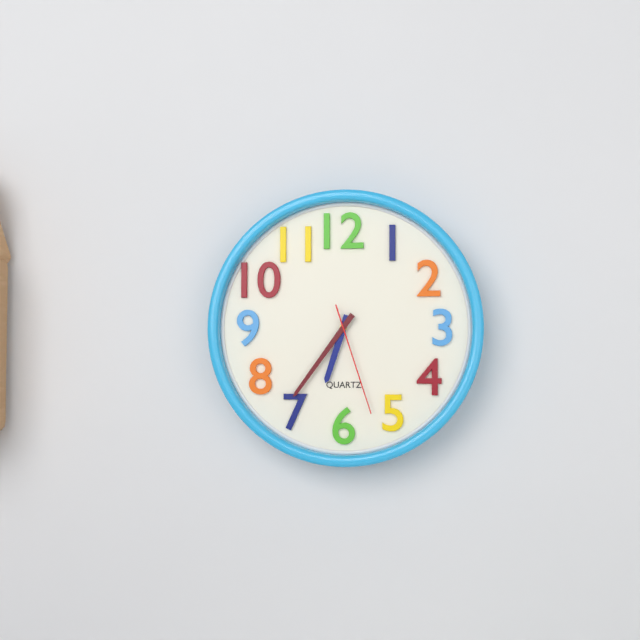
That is 6:36:27
